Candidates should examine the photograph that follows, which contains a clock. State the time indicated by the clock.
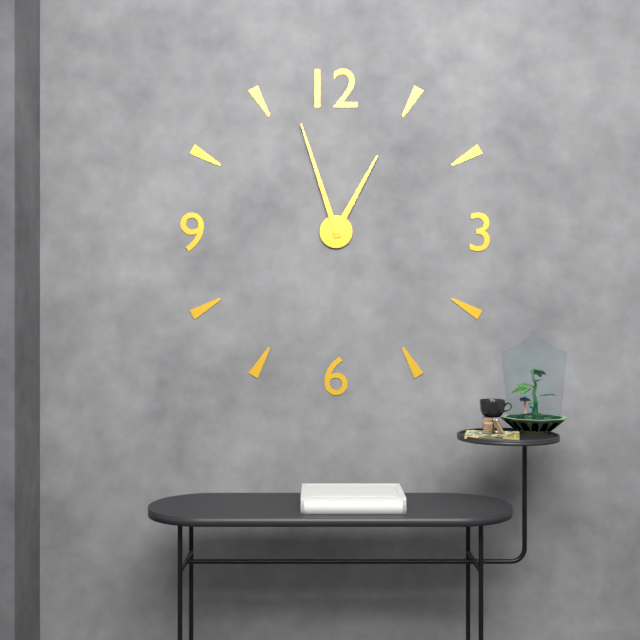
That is 12:57
